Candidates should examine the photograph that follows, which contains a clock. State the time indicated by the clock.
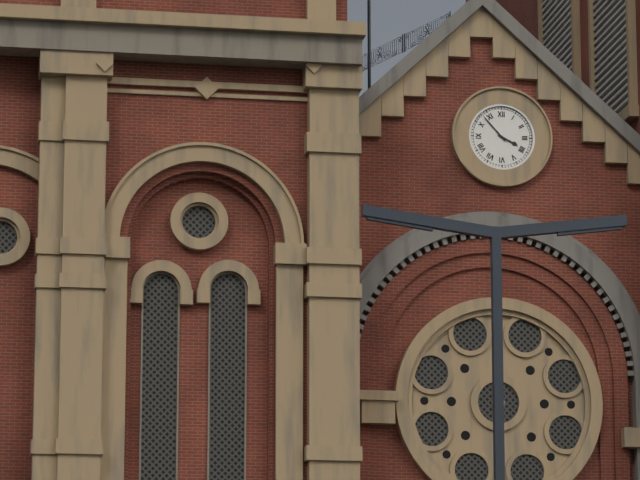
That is 3:53
